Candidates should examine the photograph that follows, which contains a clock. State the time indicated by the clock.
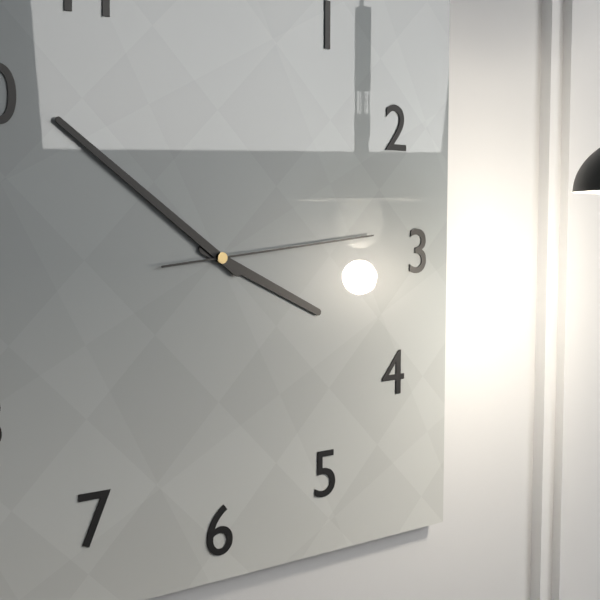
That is 3:51:14
